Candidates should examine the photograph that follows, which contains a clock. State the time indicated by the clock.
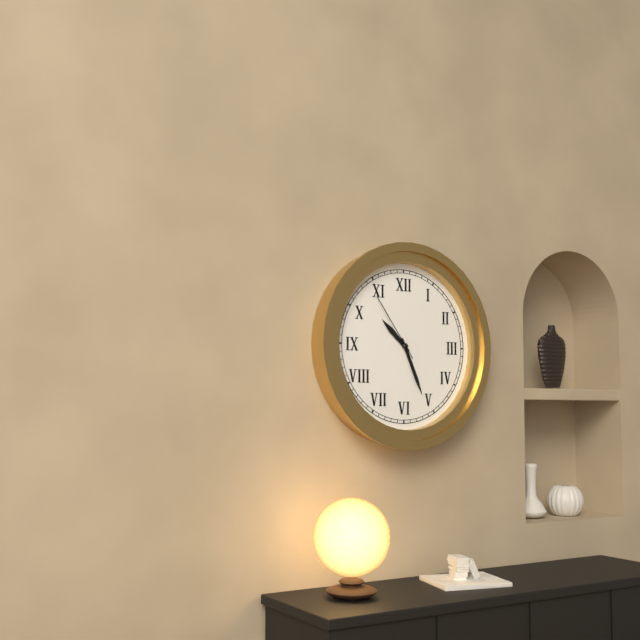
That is 10:26:54
